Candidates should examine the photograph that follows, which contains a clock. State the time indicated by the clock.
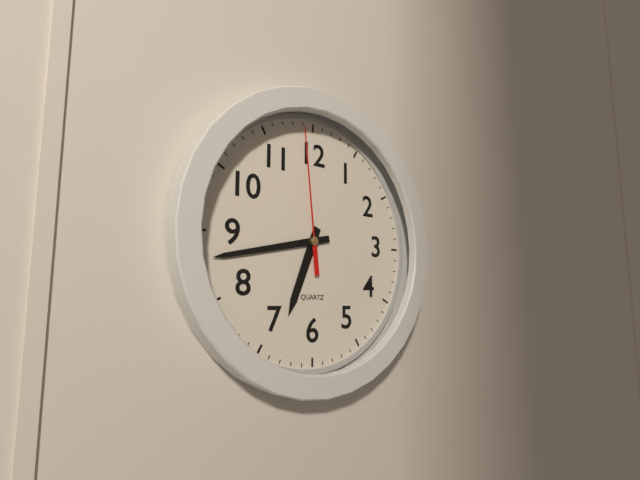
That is 6:43:59
